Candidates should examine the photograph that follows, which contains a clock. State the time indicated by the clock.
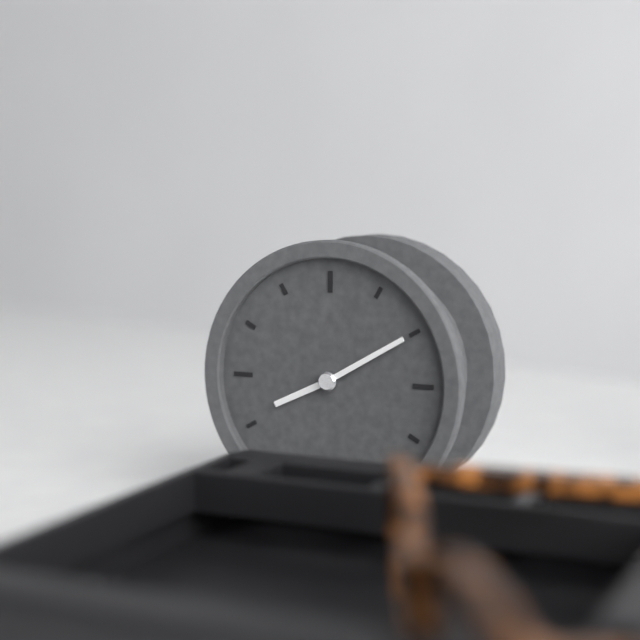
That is 8:10
